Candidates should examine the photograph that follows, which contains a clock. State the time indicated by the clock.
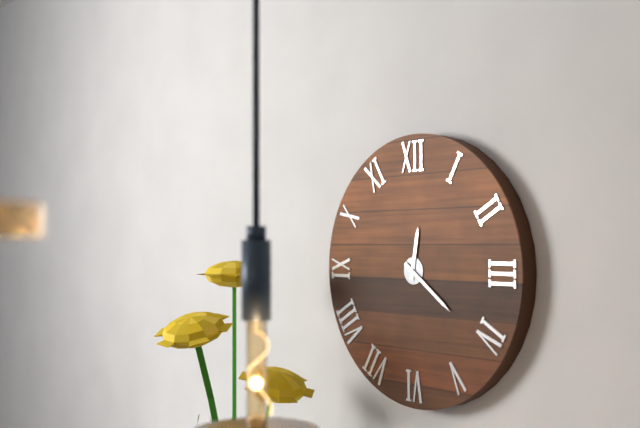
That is 12:21
